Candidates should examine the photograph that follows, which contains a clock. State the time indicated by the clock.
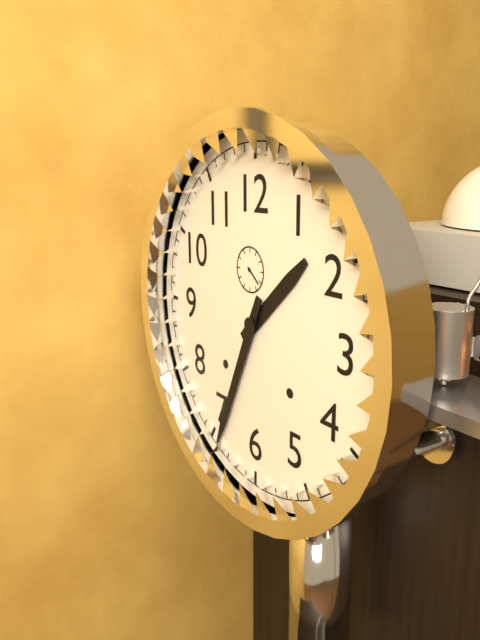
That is 1:34
